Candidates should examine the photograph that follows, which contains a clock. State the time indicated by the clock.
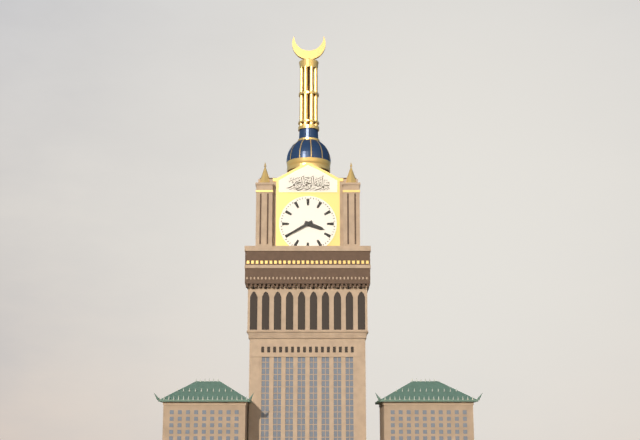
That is 3:40
